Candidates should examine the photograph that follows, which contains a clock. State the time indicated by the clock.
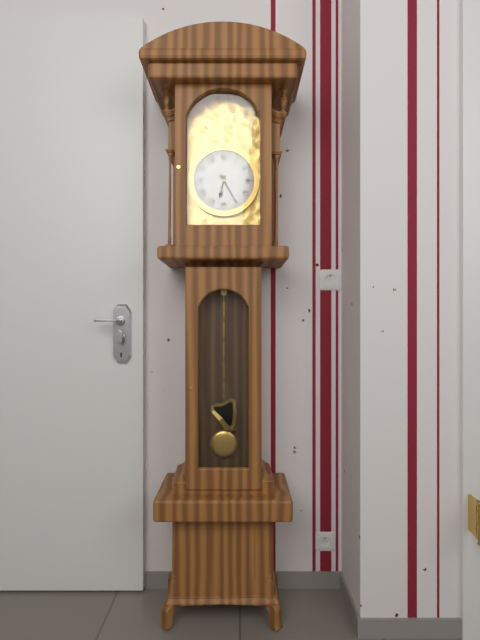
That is 6:25
